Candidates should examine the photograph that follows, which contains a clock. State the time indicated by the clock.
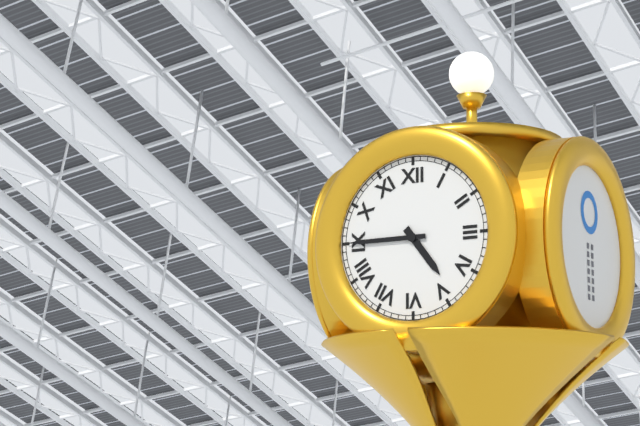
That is 4:45
